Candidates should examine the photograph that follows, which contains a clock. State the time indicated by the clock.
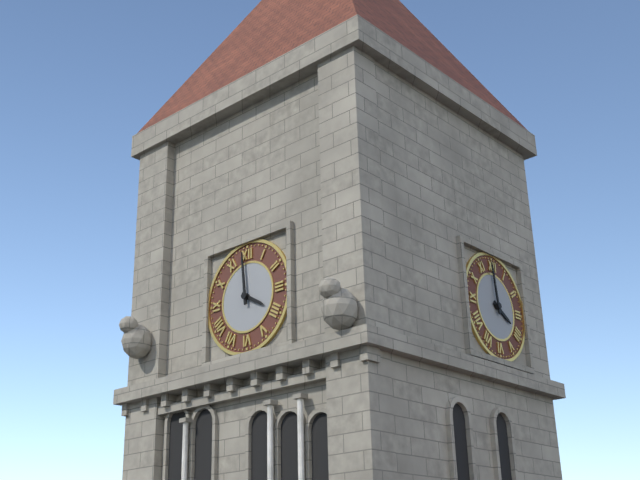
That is 3:59
